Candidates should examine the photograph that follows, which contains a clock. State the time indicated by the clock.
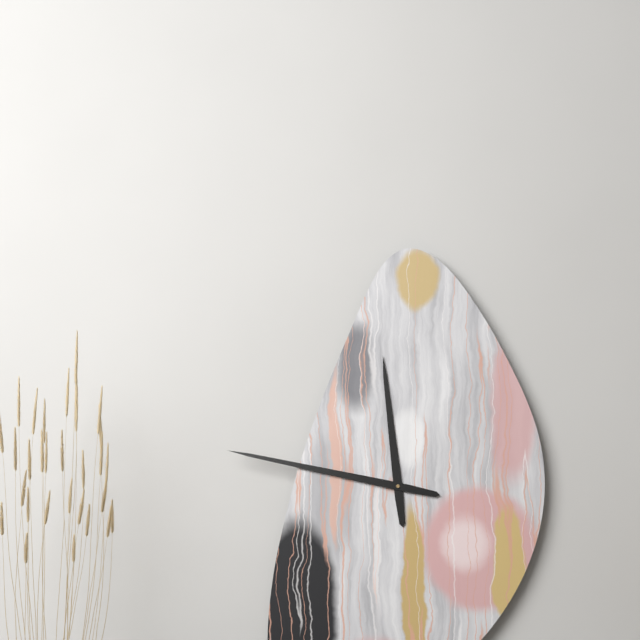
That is 11:47
